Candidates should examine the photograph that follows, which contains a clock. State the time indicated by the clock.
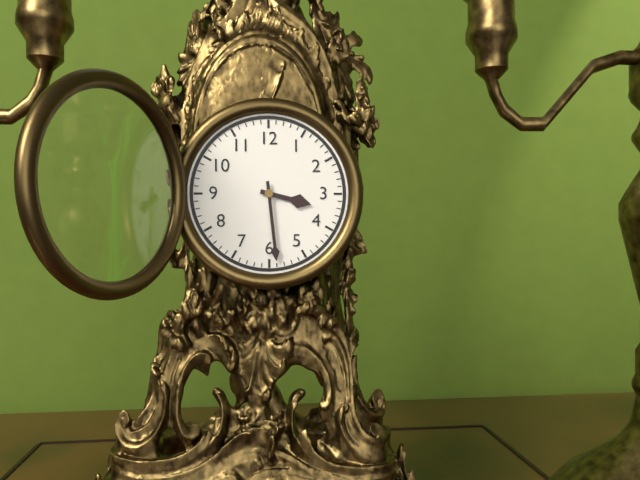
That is 3:29
